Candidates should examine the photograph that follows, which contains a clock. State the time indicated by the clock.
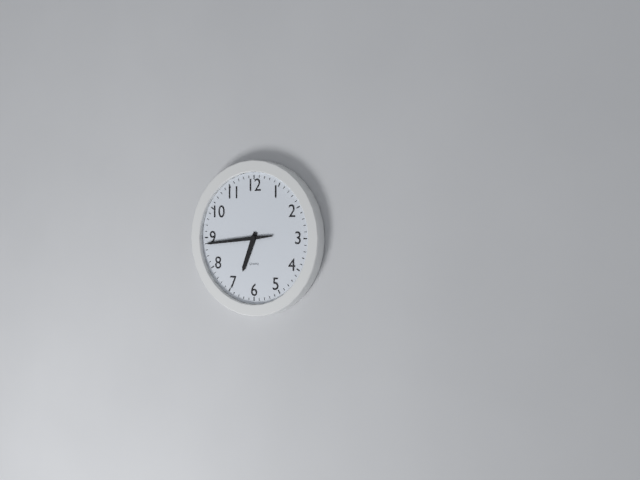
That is 6:44
